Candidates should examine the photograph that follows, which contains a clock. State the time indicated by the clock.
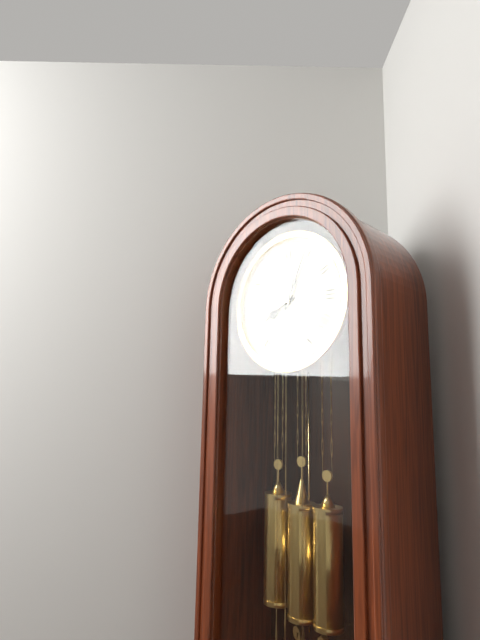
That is 8:04
